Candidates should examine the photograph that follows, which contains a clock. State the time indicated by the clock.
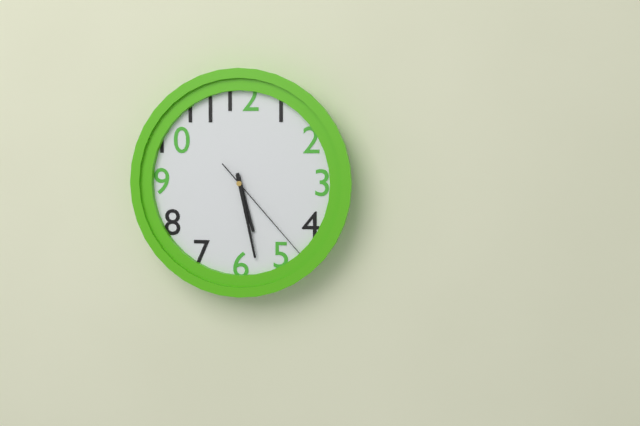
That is 5:28:23
